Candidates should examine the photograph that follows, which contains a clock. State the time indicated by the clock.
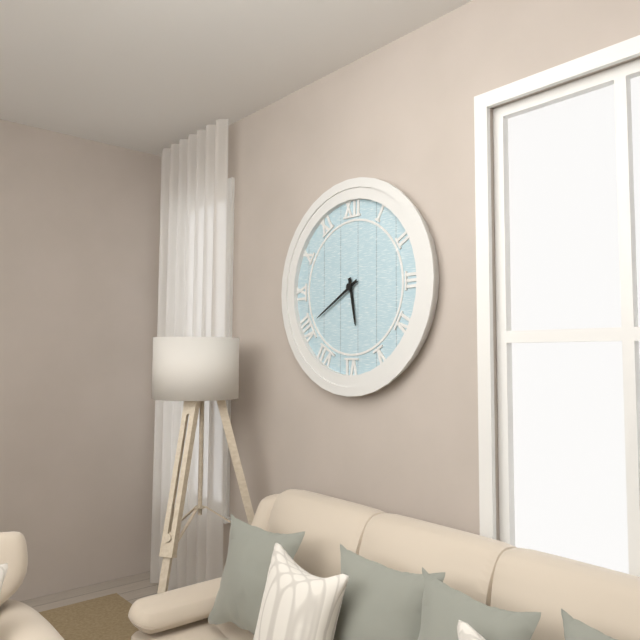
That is 5:40
